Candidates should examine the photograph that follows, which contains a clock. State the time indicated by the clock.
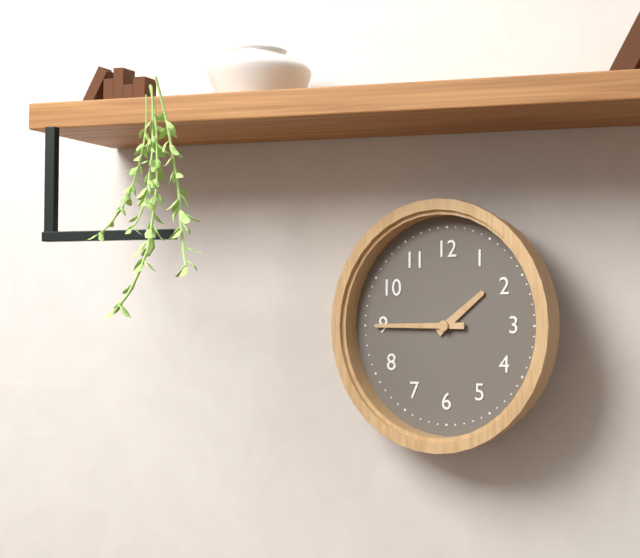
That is 1:45
